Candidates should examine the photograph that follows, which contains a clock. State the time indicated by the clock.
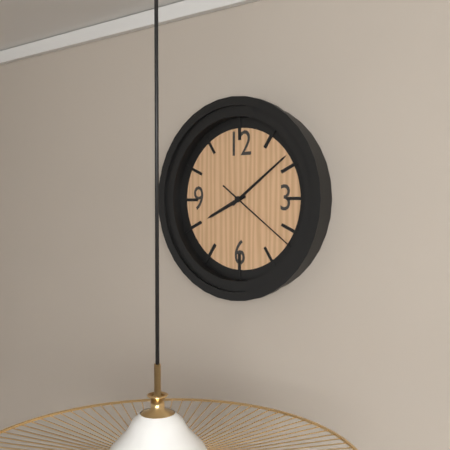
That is 8:09:21
